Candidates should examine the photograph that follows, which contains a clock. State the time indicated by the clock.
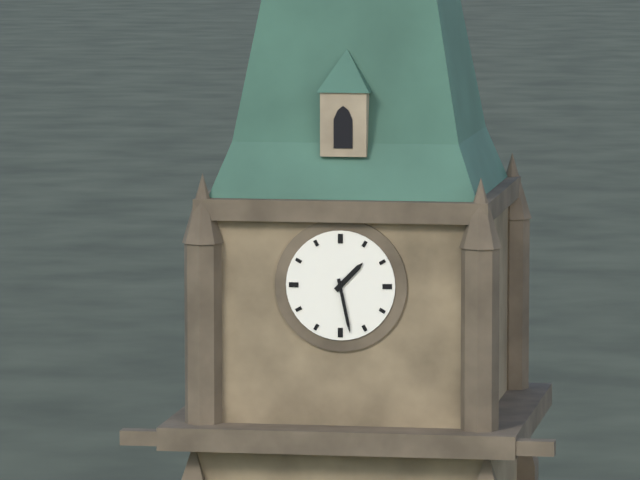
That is 1:28
